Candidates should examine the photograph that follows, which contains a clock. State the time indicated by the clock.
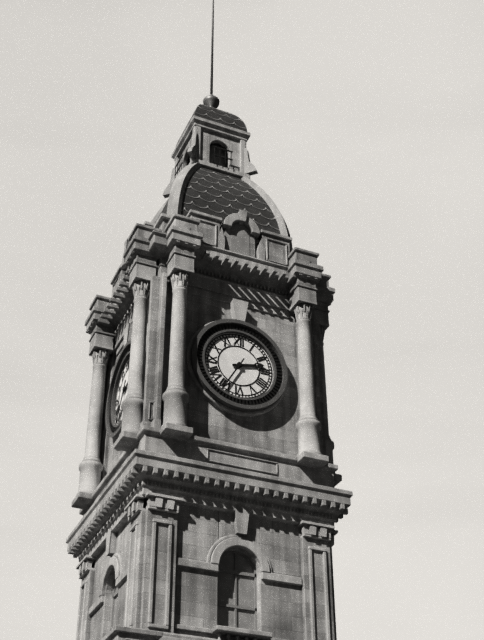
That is 2:35
